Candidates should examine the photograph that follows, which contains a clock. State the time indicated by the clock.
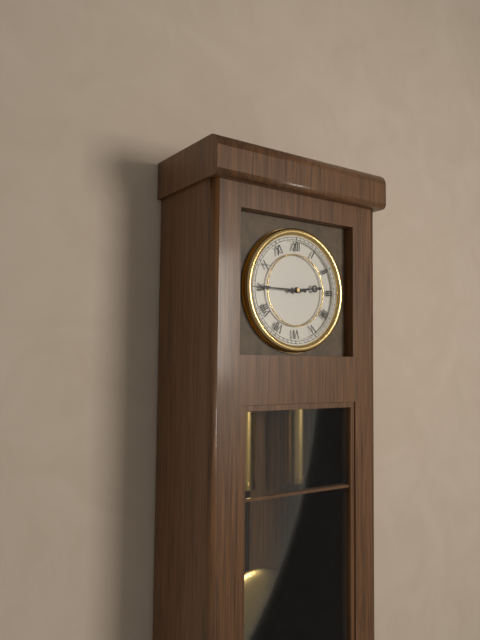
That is 2:45
